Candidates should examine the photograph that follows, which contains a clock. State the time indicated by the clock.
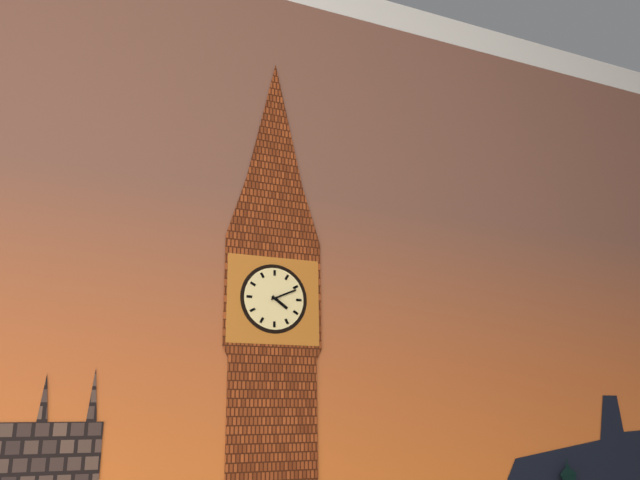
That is 4:11
